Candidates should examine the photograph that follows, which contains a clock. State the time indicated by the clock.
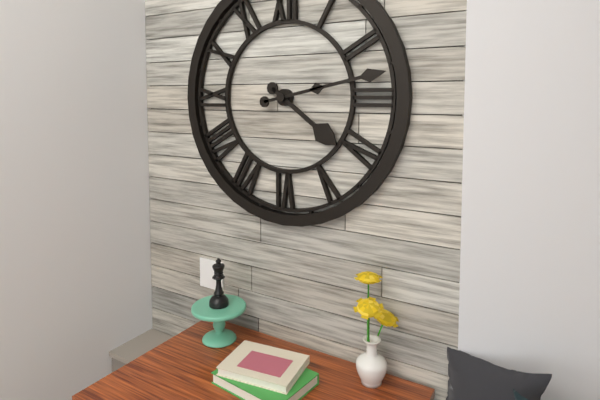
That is 4:13
